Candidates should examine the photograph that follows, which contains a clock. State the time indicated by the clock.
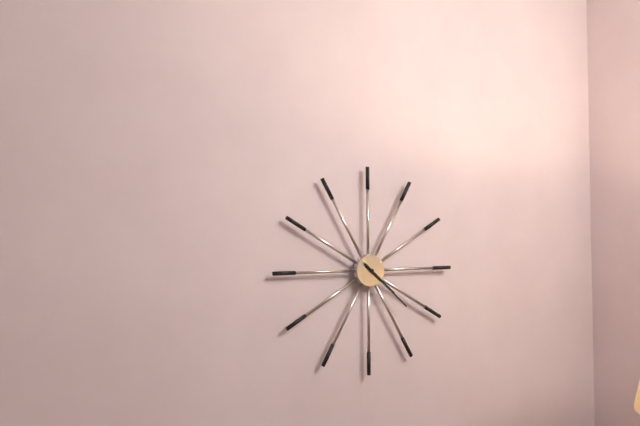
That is 4:22
